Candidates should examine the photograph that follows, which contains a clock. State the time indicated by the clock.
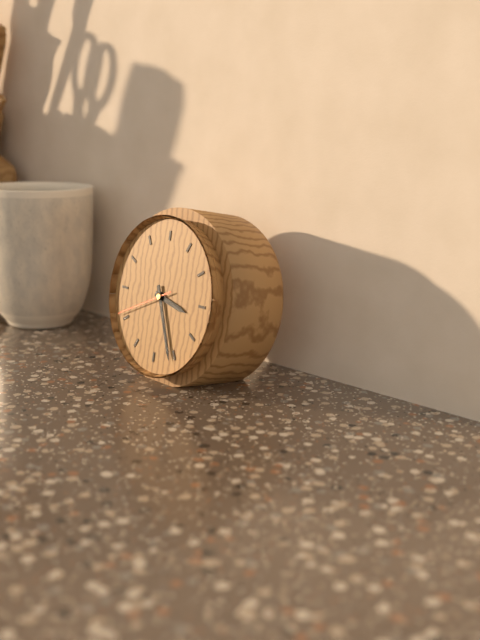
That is 3:26:41
